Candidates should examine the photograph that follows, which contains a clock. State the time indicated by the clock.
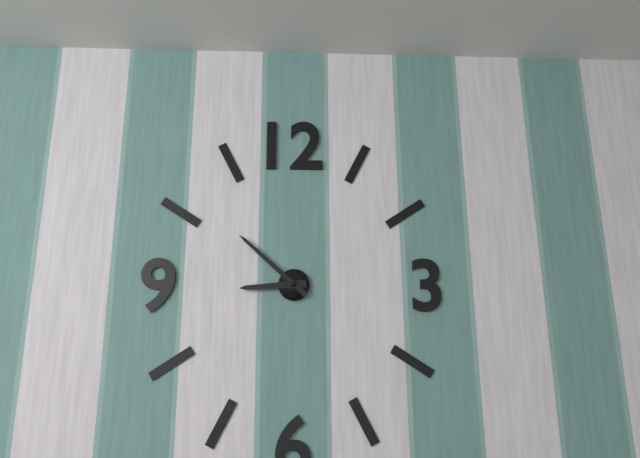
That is 8:52
